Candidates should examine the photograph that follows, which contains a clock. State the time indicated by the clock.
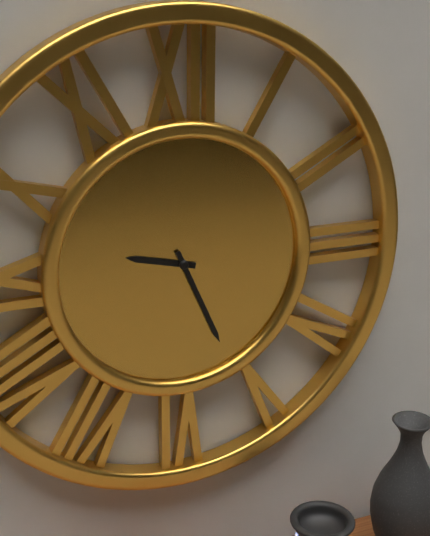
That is 9:26
